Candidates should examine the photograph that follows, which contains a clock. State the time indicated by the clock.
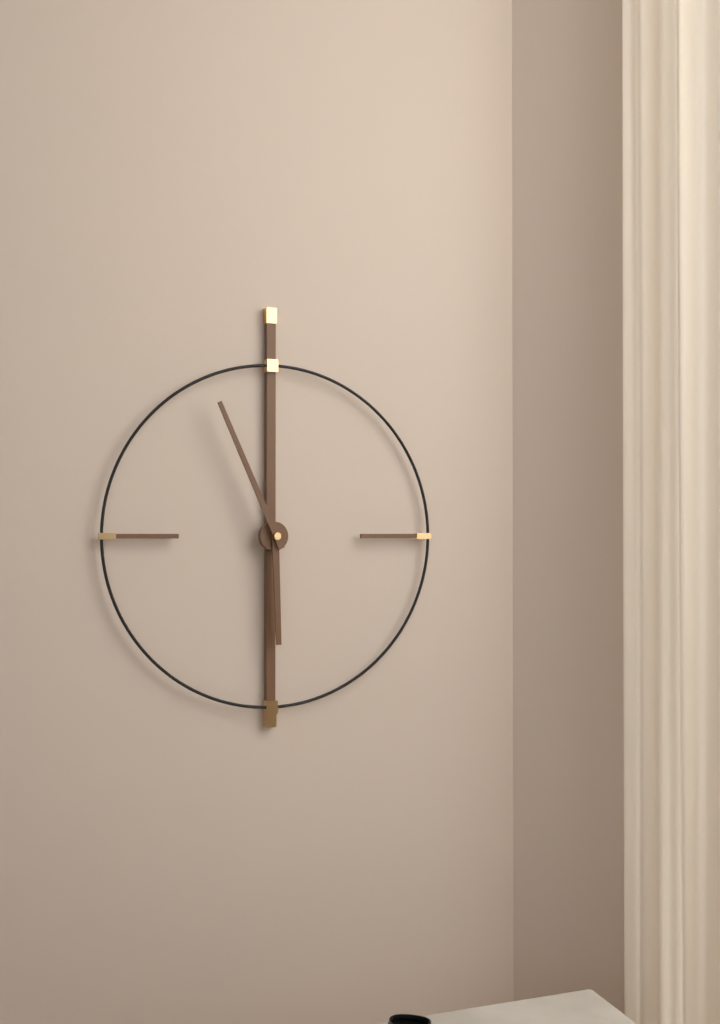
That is 5:56
